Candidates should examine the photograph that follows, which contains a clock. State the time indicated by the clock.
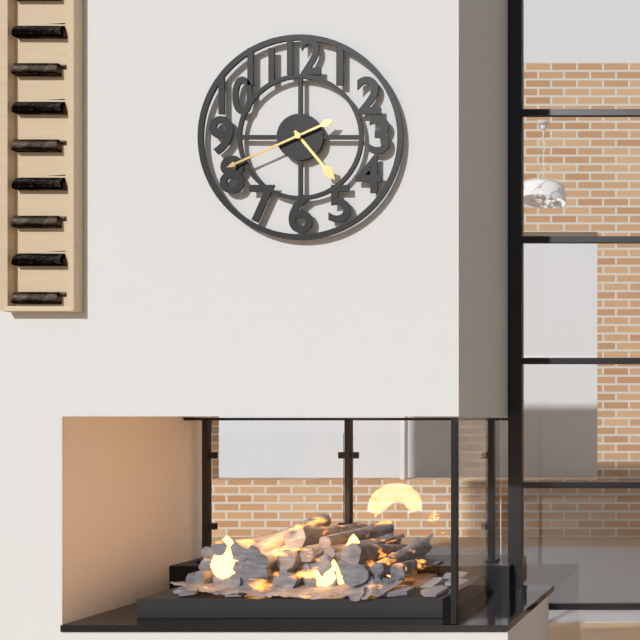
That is 4:41
